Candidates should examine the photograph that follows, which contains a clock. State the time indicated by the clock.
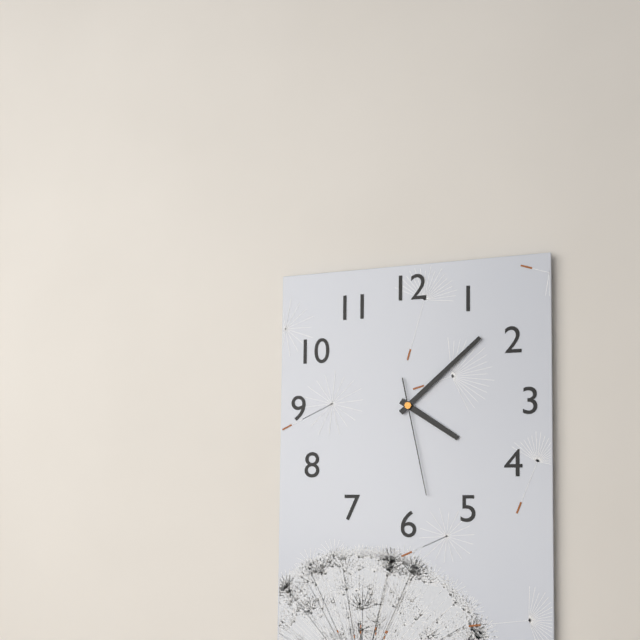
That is 4:08:28
